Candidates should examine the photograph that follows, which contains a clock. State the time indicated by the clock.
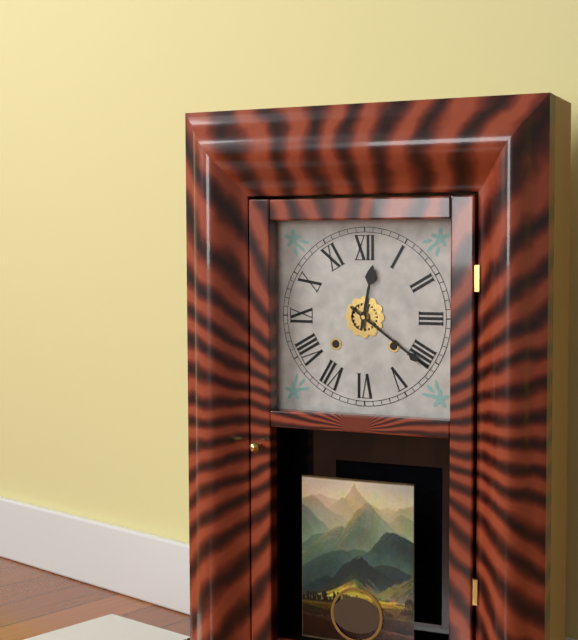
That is 12:21
